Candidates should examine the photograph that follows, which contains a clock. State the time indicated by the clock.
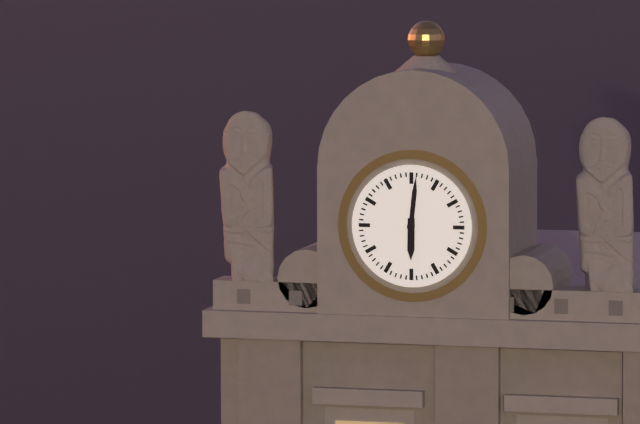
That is 6:01
